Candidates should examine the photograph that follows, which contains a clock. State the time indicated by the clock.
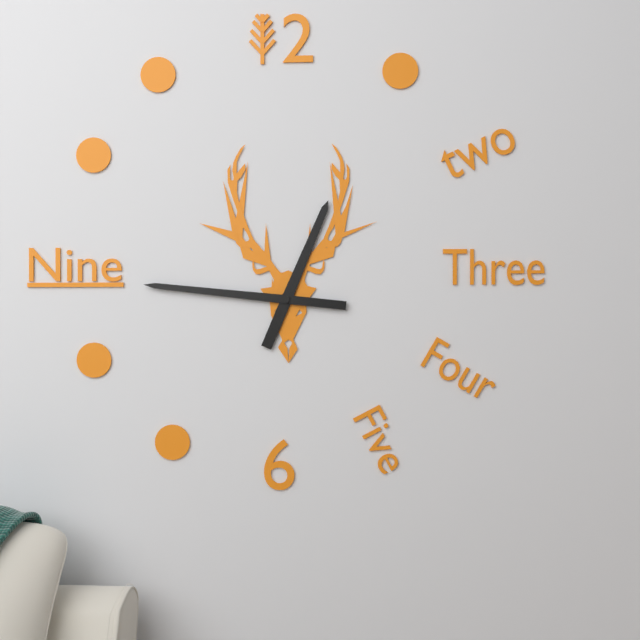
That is 12:46
